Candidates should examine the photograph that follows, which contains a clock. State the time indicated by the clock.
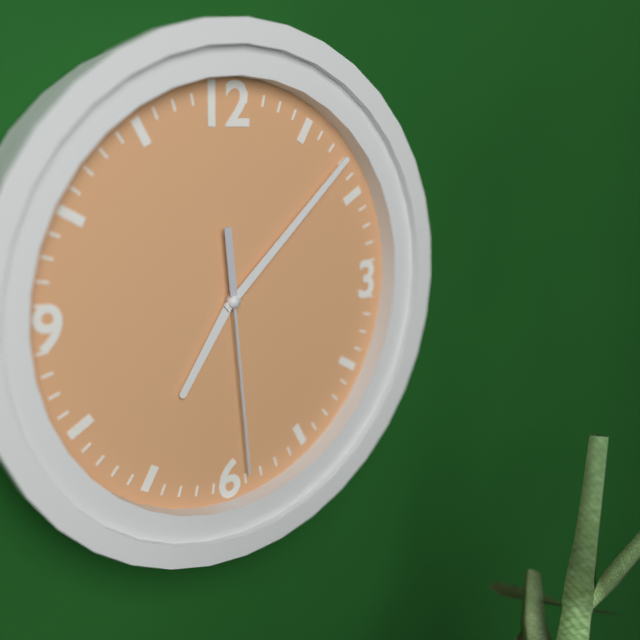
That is 7:08:29
